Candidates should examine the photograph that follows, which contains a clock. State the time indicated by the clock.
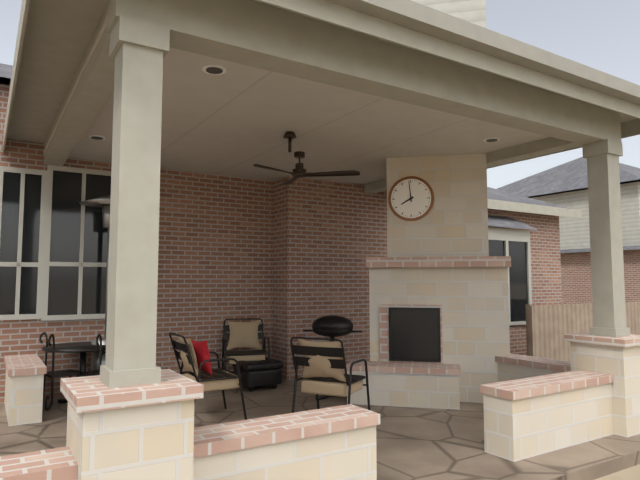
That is 7:59
